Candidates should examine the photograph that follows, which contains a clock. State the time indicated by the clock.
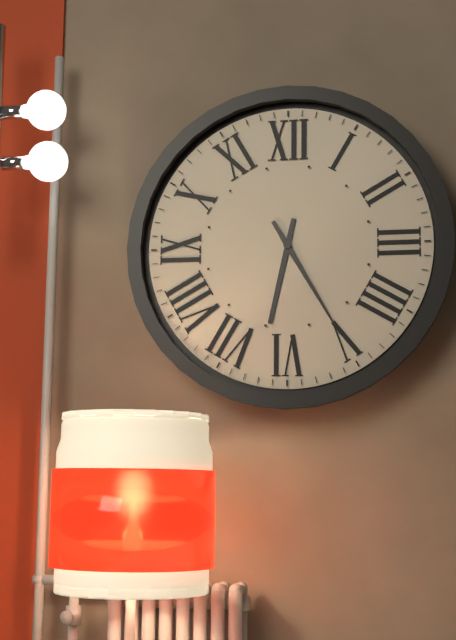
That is 6:25
